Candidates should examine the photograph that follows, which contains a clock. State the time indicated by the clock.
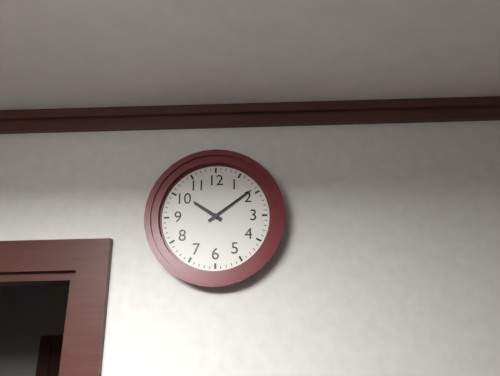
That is 10:09
